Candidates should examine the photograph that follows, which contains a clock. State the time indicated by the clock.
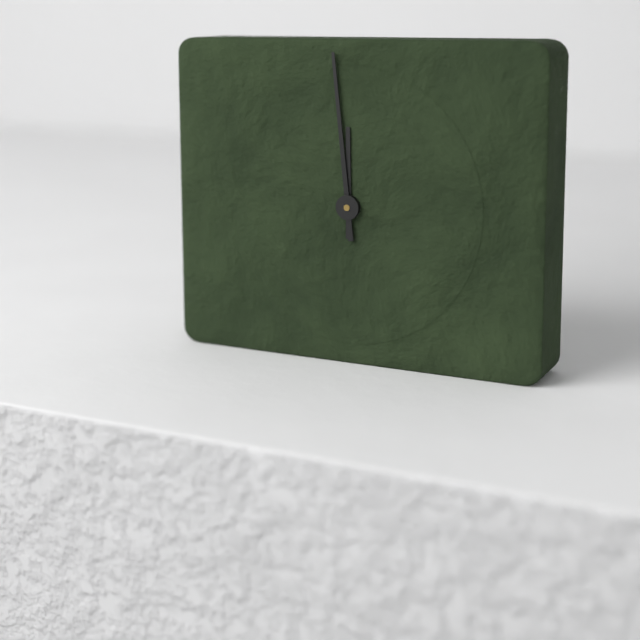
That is 11:59
